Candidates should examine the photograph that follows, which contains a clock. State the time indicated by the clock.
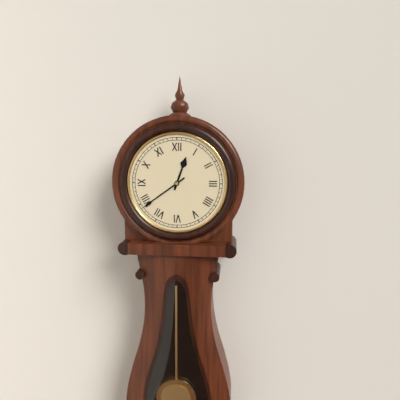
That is 12:39
